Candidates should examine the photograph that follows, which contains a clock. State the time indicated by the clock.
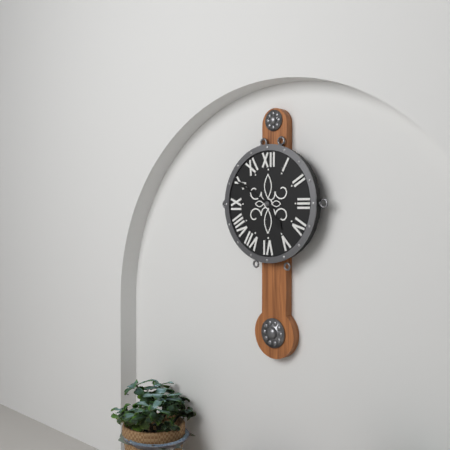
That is 4:50
